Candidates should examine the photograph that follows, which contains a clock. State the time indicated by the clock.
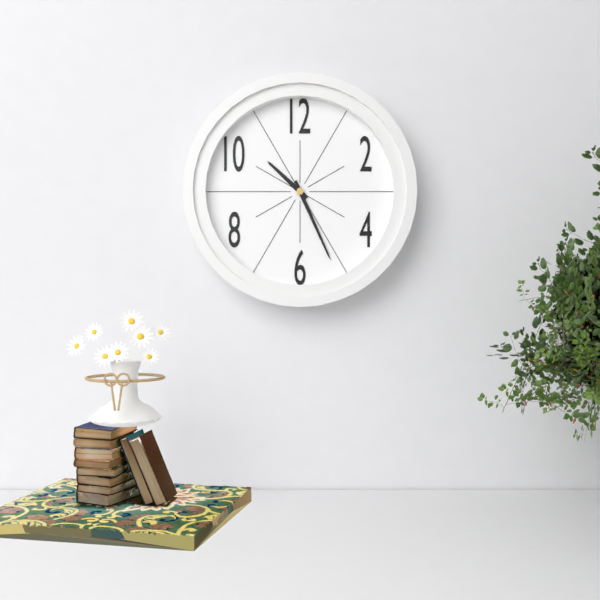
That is 10:26
